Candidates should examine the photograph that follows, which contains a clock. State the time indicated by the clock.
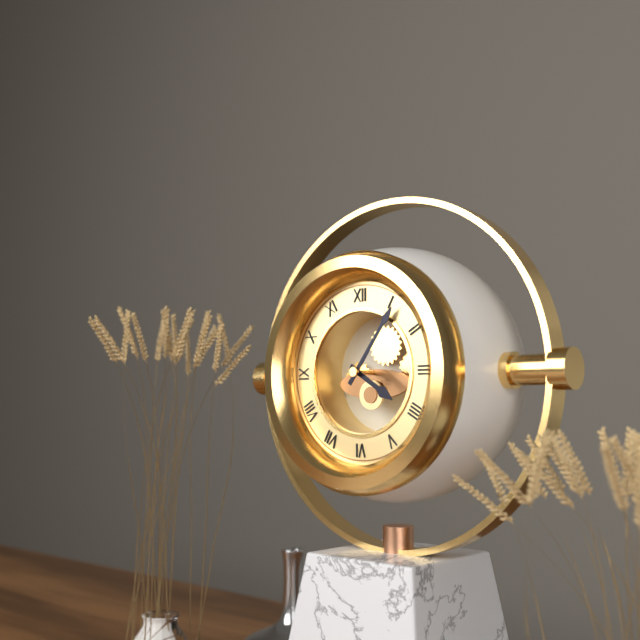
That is 4:06
